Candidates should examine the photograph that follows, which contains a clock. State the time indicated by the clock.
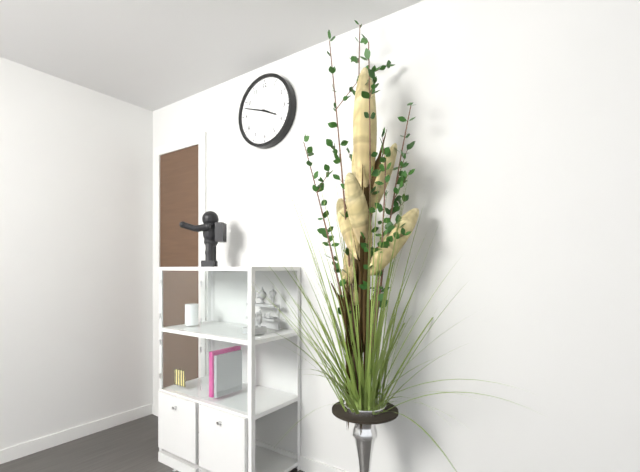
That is 3:48
